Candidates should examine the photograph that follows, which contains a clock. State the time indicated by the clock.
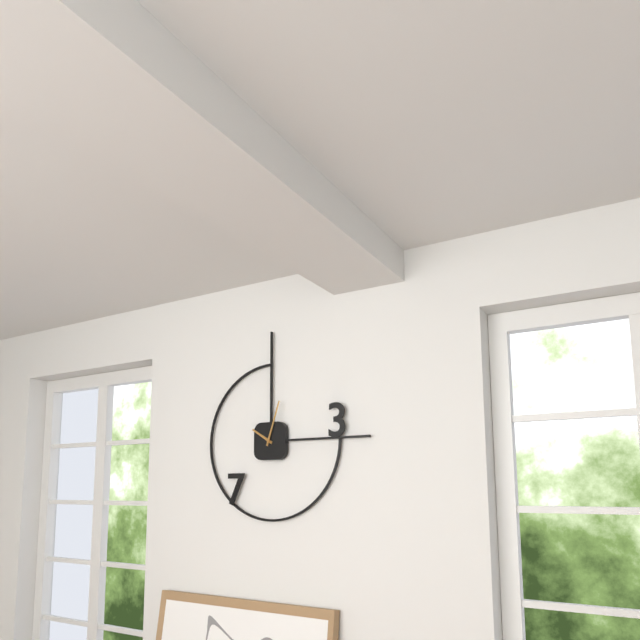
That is 10:03
